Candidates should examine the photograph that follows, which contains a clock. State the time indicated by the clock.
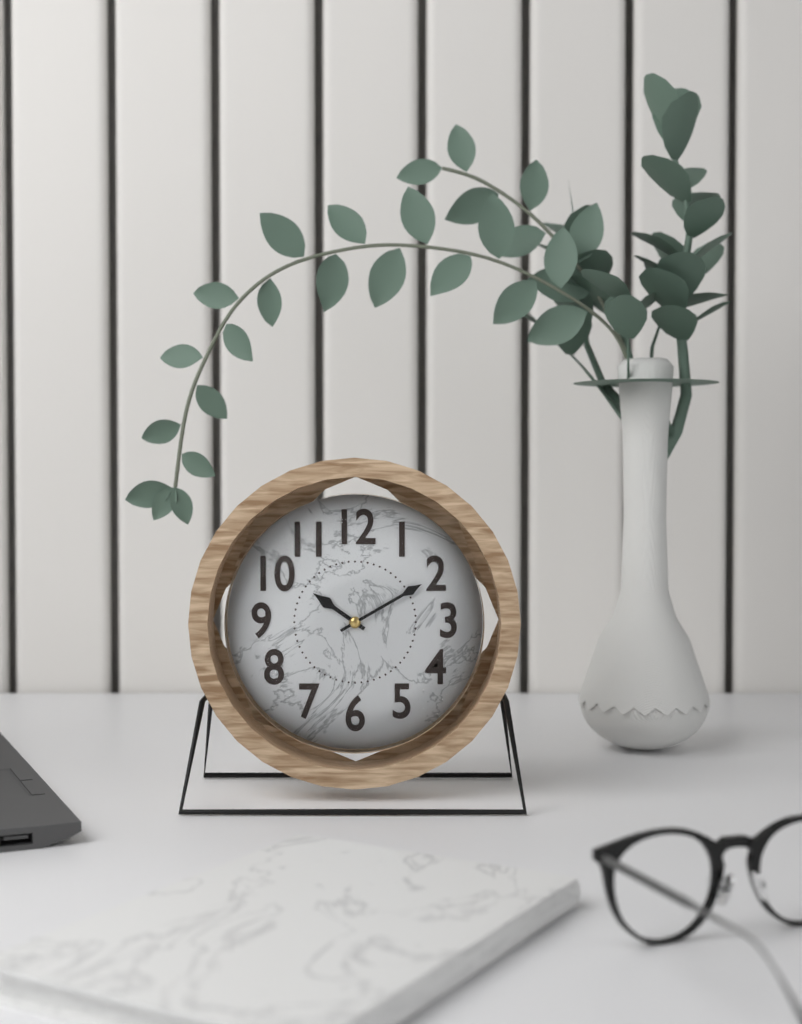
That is 10:10
